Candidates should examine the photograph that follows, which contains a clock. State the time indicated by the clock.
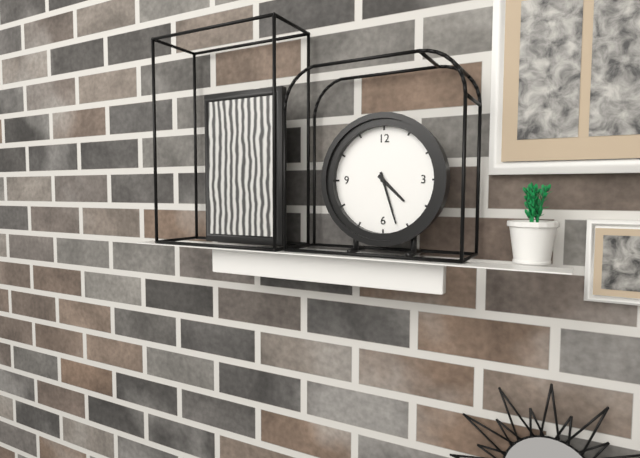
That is 4:27
